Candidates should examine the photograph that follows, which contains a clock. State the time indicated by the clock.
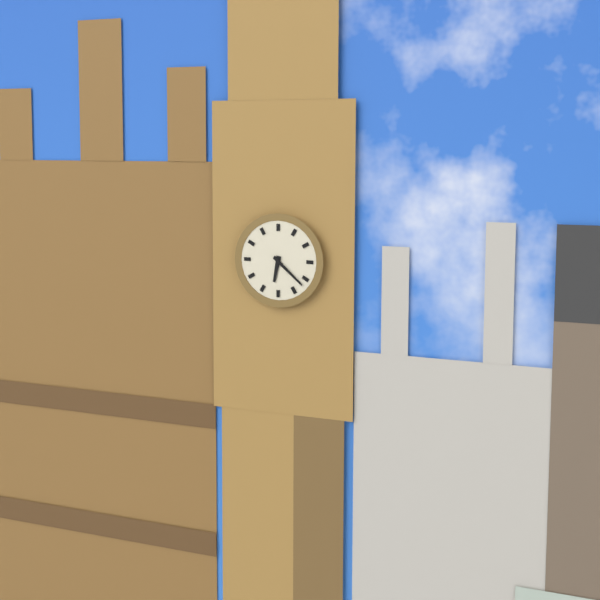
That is 6:22
